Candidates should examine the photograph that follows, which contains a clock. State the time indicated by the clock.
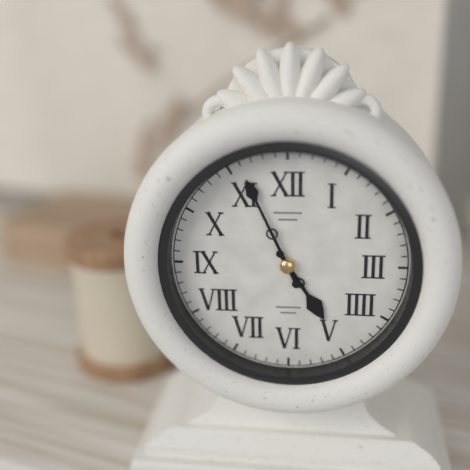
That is 4:56
